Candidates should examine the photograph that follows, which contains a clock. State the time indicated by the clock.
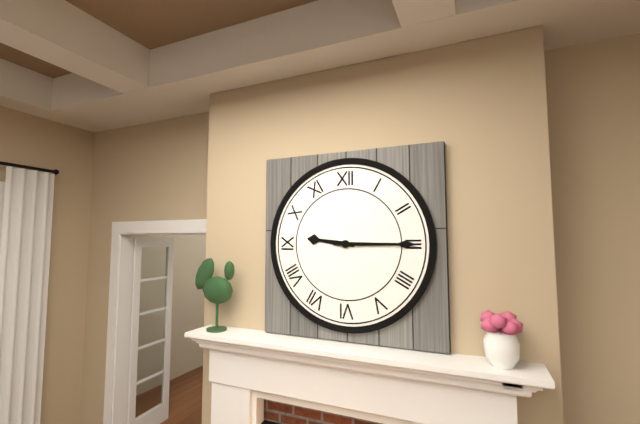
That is 9:15
